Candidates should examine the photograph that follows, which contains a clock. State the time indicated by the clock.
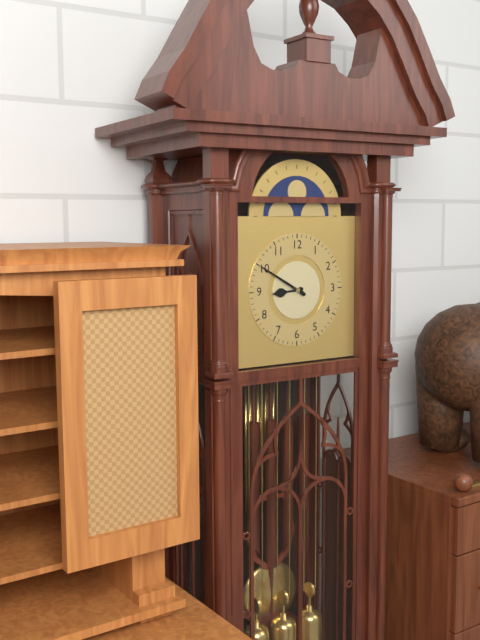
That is 8:50
